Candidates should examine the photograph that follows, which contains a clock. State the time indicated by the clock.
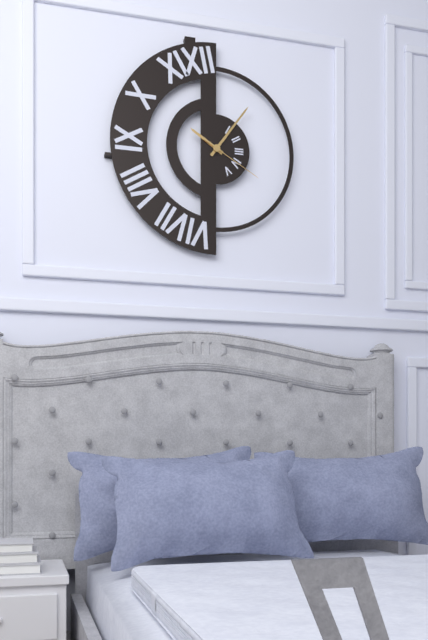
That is 10:06:20
